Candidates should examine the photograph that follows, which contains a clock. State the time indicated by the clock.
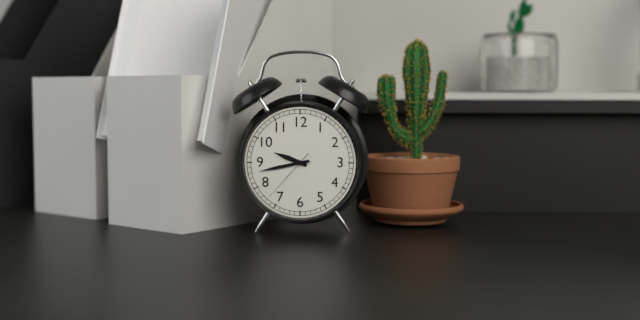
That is 9:43:37
